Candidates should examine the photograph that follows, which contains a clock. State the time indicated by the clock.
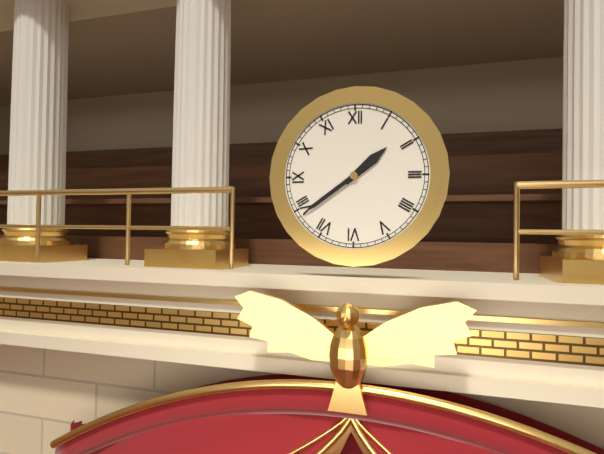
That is 1:39
